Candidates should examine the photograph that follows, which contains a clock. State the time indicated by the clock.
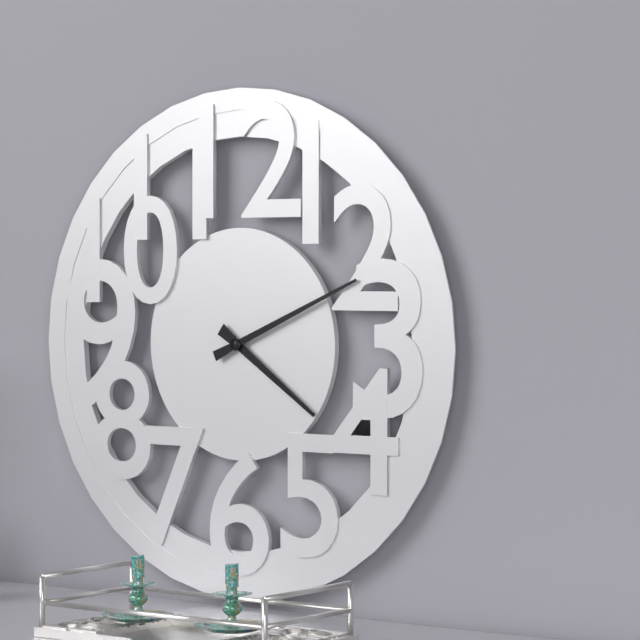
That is 4:11
